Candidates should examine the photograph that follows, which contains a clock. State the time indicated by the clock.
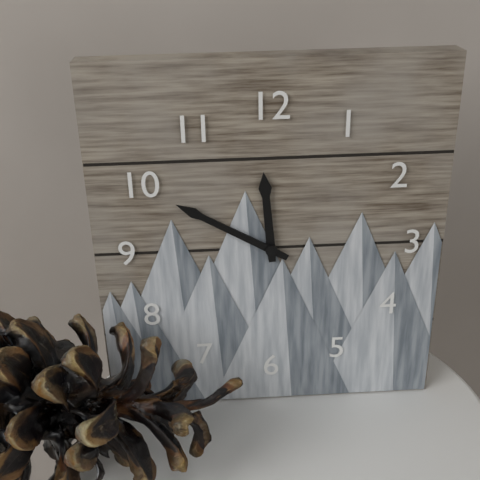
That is 11:50
